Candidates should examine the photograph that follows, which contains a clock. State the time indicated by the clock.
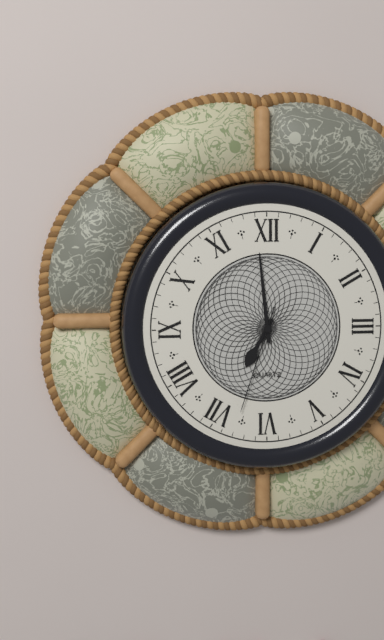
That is 6:59:33
